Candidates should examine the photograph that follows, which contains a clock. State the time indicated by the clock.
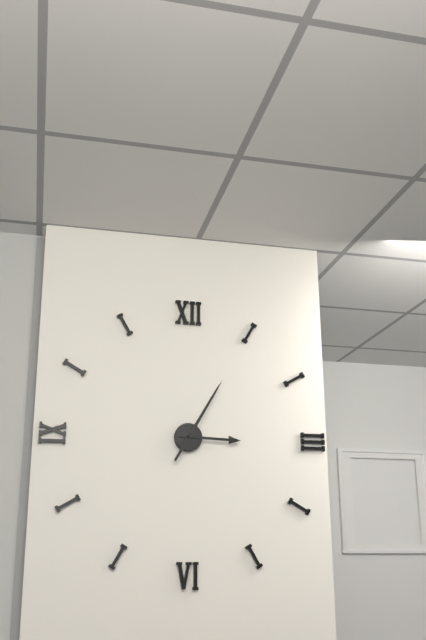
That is 3:05
